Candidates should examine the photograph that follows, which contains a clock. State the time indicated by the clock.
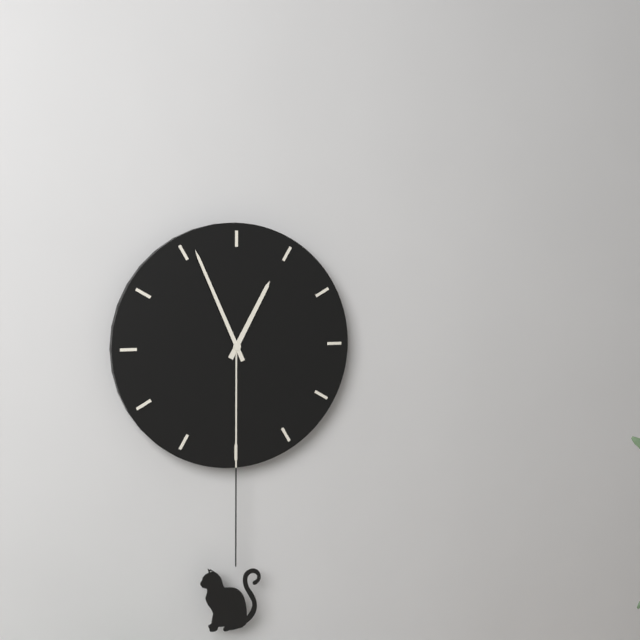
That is 12:56
